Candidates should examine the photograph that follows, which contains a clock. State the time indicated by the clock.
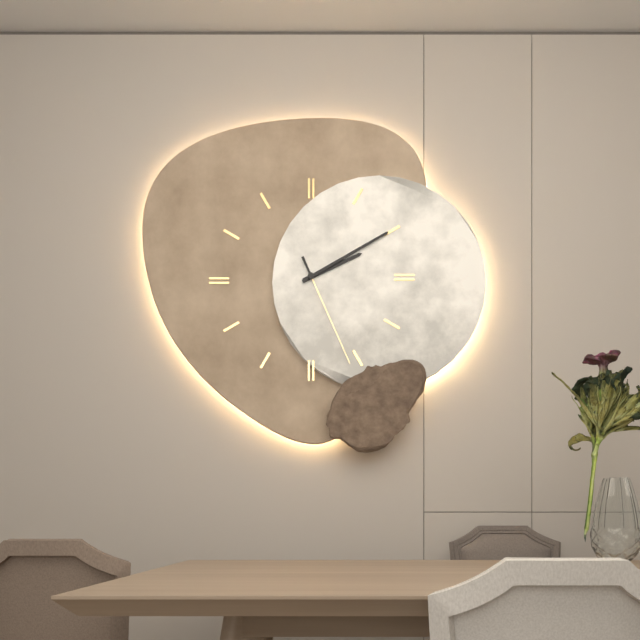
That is 2:10:26
